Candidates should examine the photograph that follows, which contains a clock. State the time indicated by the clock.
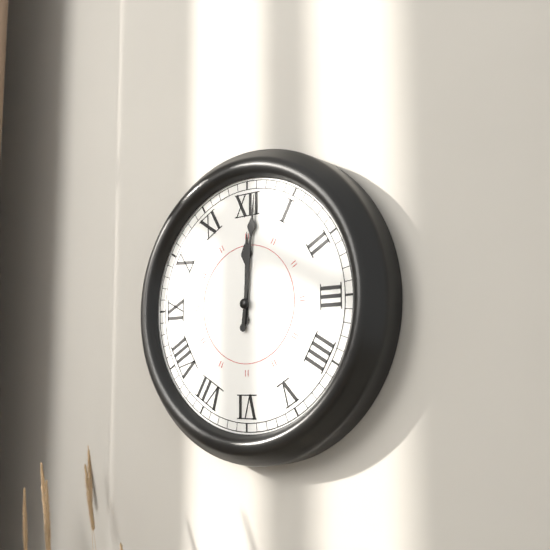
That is 12:01
